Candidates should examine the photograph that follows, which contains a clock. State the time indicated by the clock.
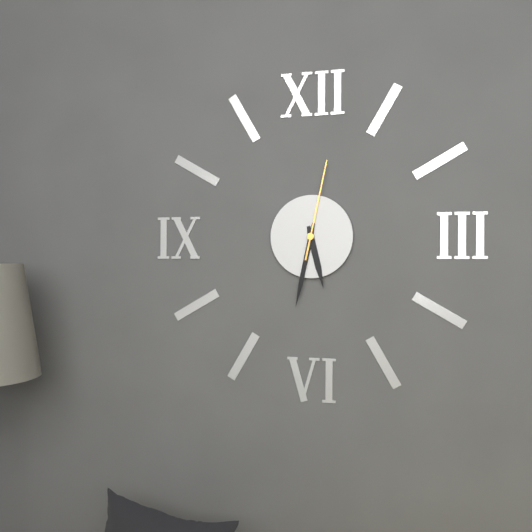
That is 5:32:02
